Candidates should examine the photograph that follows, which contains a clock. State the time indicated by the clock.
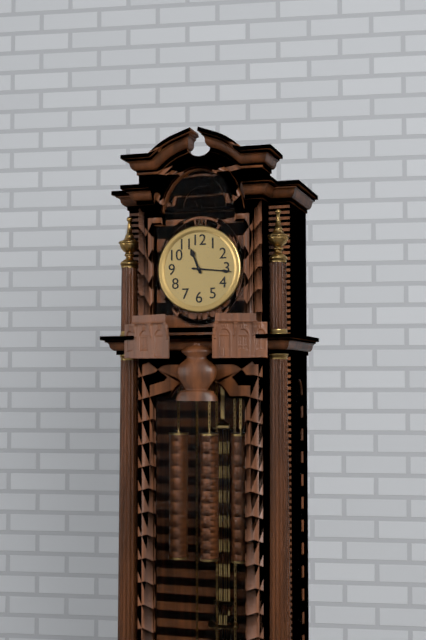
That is 11:16
